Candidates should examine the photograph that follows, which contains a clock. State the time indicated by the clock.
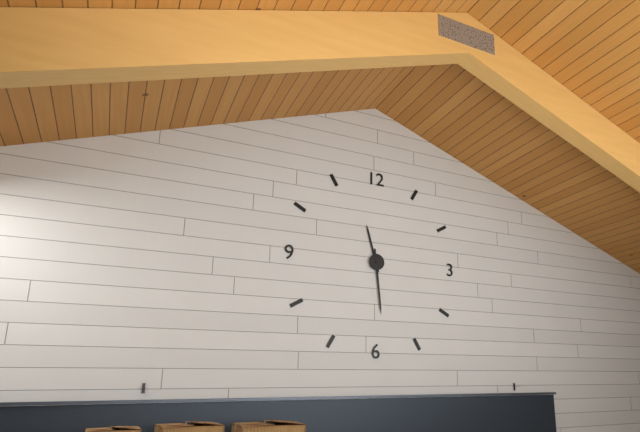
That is 11:29
